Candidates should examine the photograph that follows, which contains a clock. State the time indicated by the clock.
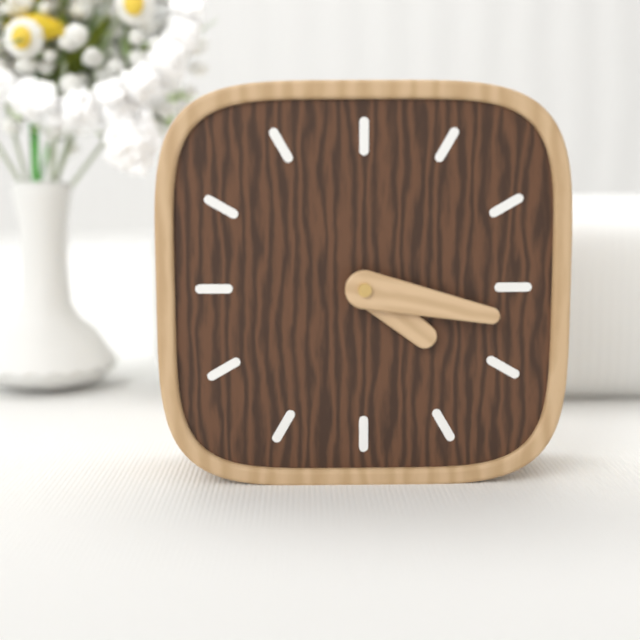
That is 4:17
